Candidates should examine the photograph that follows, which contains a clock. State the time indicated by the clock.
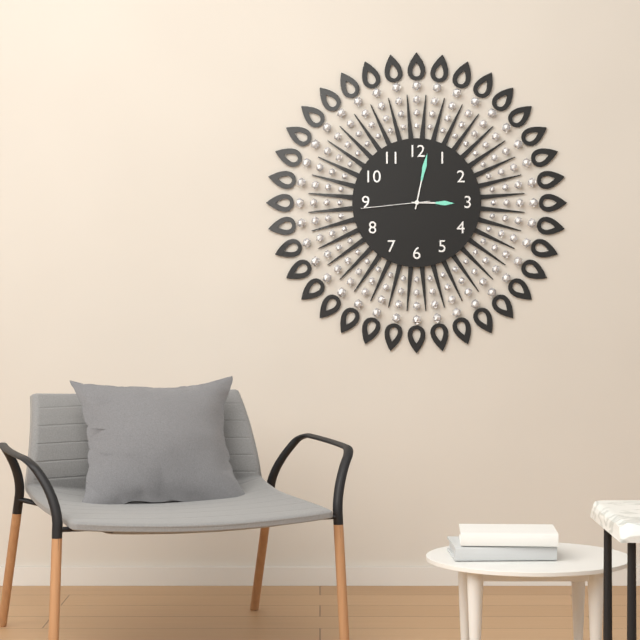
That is 3:02:44
